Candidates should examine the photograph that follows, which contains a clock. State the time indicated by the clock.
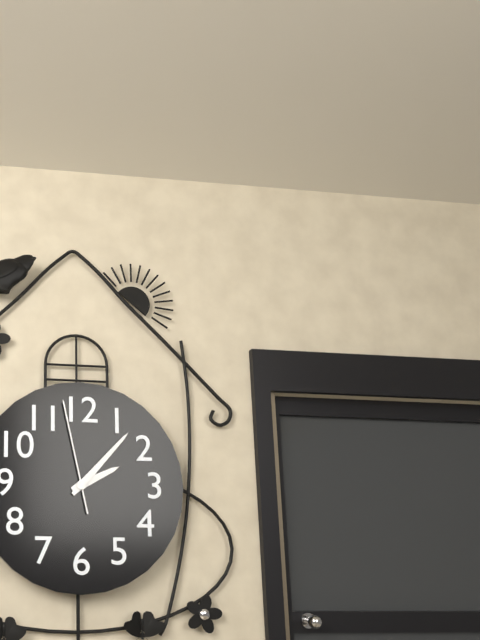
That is 2:07:58
